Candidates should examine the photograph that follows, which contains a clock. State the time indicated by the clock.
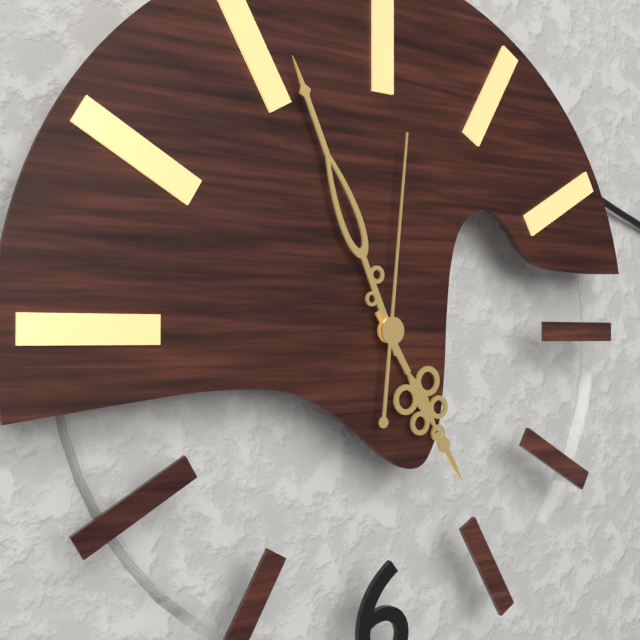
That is 4:56:01
